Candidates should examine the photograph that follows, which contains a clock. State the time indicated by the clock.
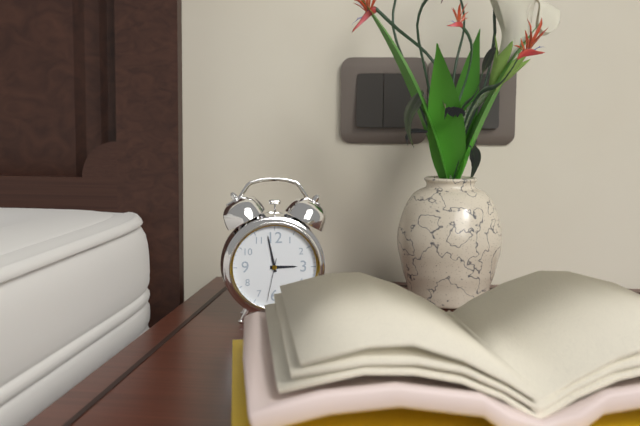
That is 2:58
